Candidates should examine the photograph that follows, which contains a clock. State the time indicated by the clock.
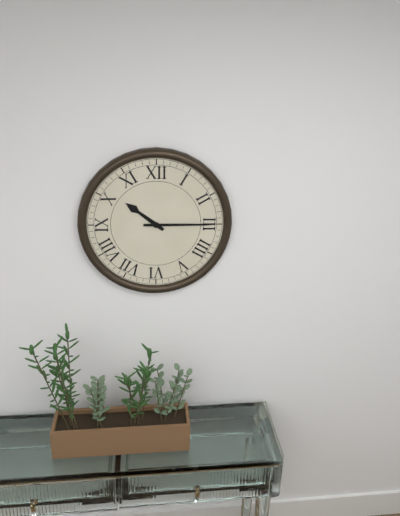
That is 10:15
